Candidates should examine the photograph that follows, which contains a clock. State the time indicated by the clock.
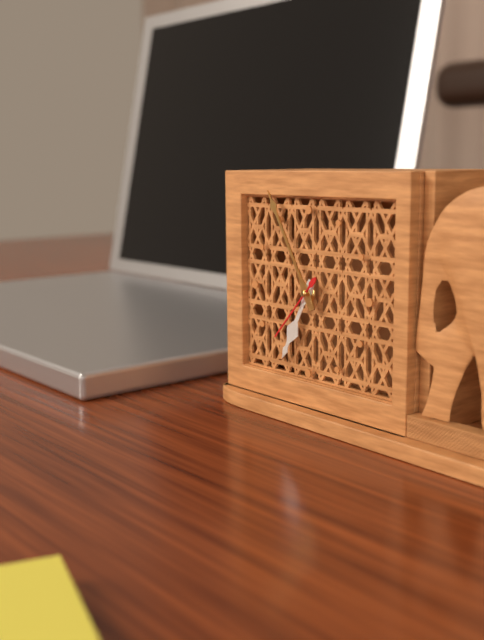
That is 6:55:37
